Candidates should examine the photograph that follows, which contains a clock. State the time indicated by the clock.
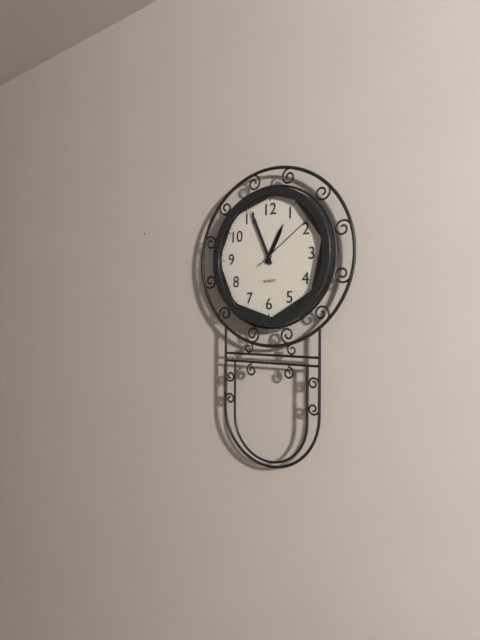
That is 12:56:09
